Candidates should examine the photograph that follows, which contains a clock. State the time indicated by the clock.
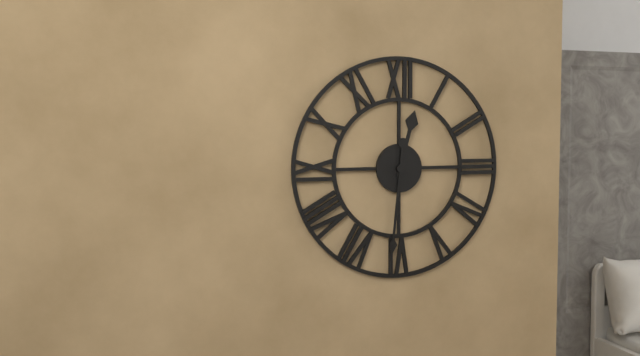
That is 12:31
